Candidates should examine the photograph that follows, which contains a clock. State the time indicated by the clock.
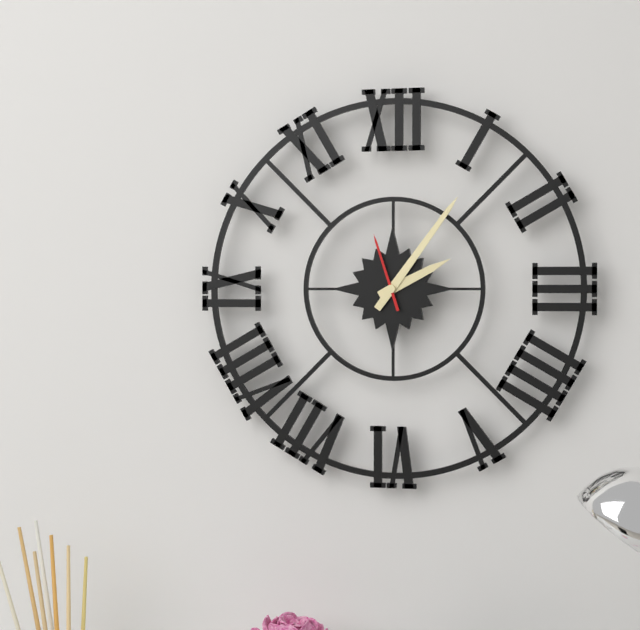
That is 2:06:57
